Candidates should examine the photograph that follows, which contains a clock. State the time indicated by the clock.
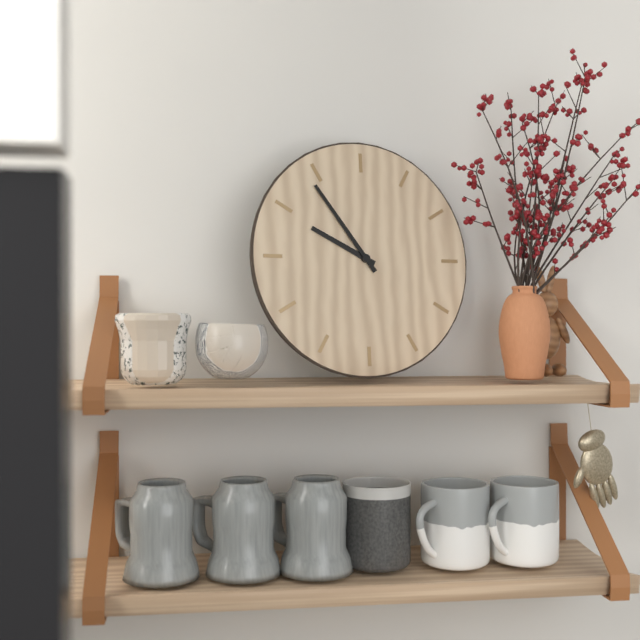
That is 9:54
